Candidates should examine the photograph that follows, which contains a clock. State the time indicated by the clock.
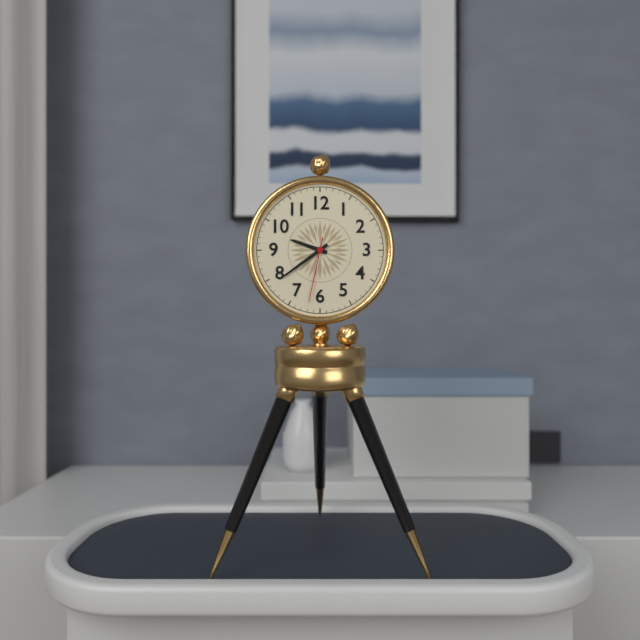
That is 9:39:32
